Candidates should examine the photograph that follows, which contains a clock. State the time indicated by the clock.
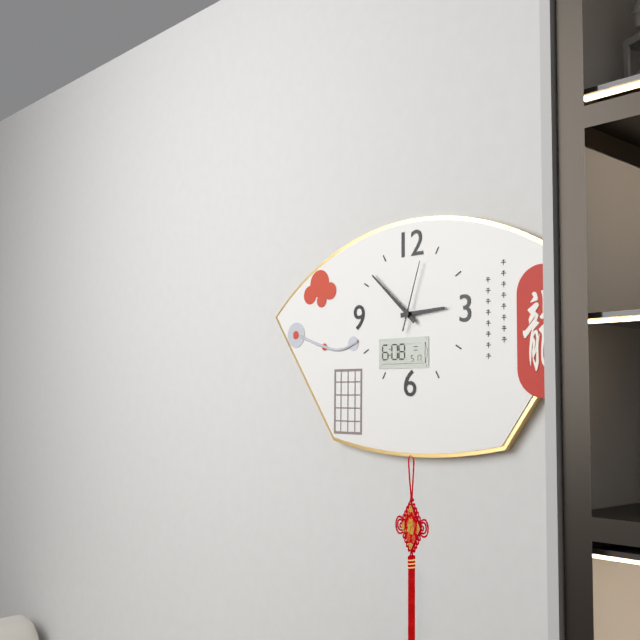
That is 2:52:03
